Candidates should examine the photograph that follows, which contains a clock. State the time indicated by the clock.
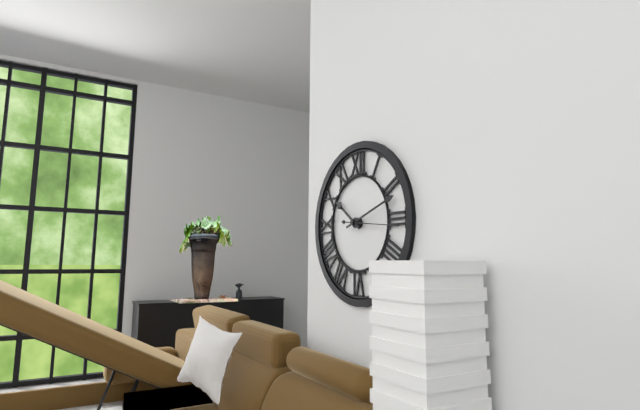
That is 10:12
